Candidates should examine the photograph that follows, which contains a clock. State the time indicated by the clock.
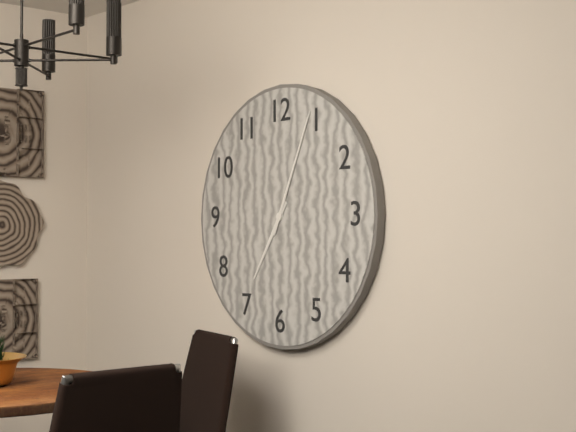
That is 7:04
